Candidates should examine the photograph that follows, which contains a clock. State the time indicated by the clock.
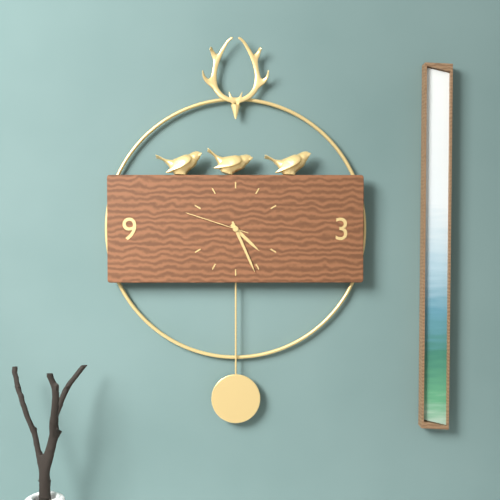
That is 4:26:48
